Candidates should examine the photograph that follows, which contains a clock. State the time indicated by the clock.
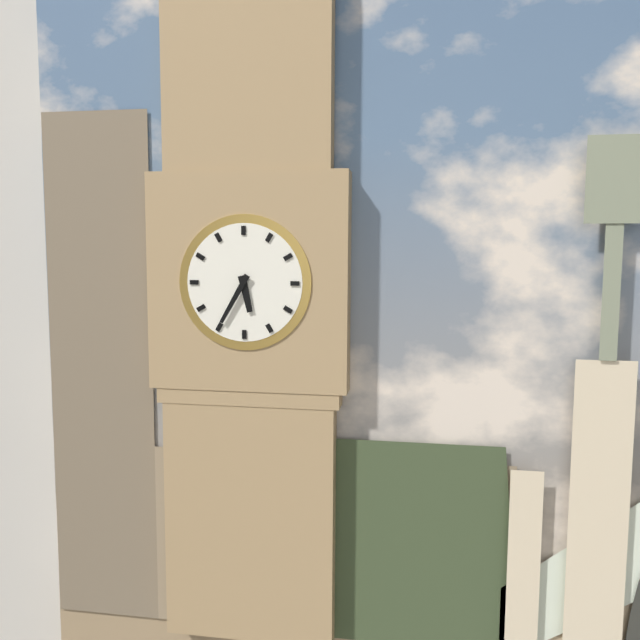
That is 5:35
